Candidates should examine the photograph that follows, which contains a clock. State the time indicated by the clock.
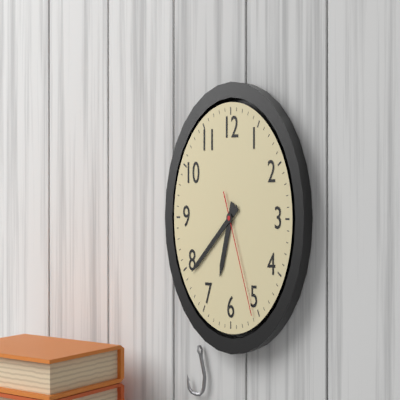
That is 6:39:26
